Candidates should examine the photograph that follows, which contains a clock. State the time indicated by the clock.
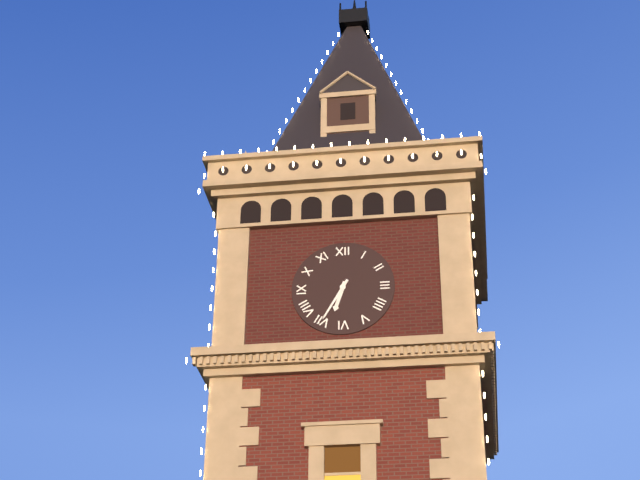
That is 6:35
